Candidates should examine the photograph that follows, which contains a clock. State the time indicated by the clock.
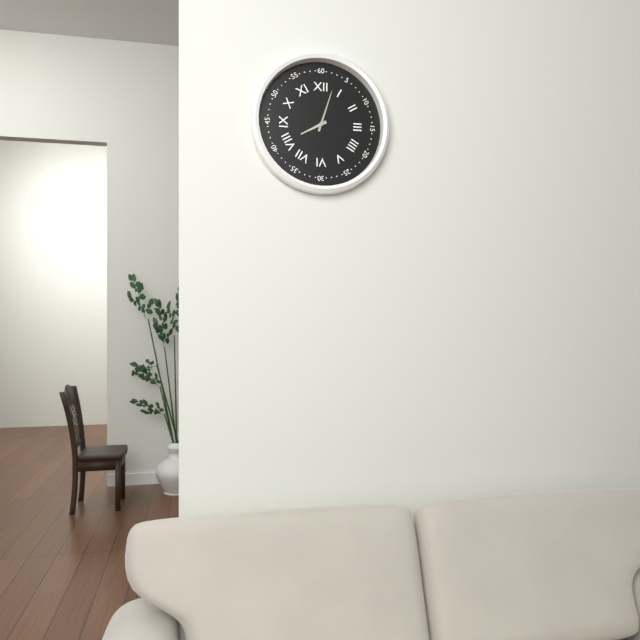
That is 8:03
